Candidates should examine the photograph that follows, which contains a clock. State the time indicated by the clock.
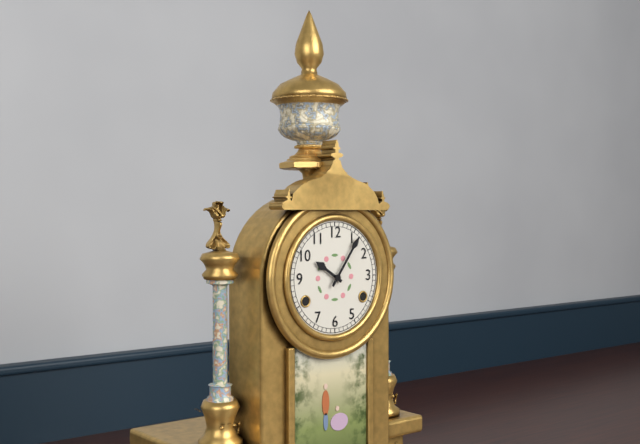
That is 10:06
